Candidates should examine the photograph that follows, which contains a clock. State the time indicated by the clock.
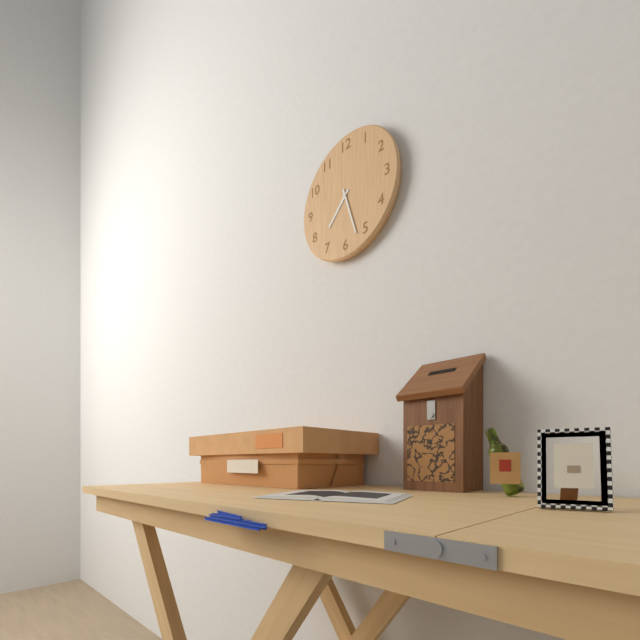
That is 7:27
